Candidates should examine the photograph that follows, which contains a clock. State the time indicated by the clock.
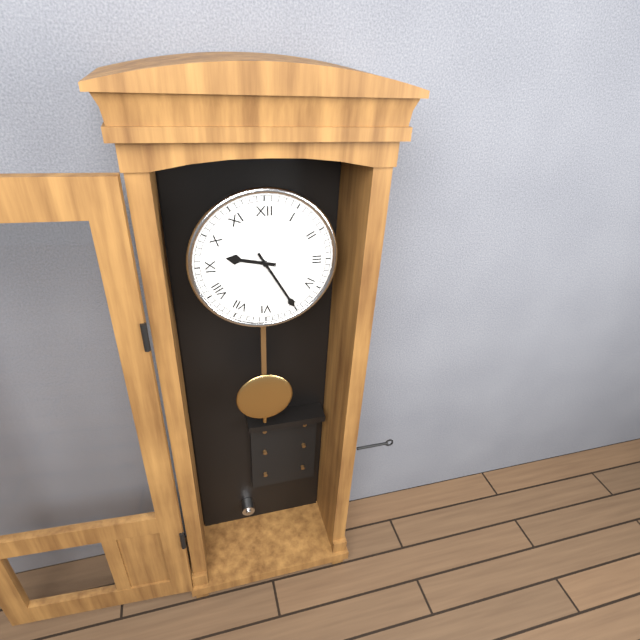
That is 9:25
